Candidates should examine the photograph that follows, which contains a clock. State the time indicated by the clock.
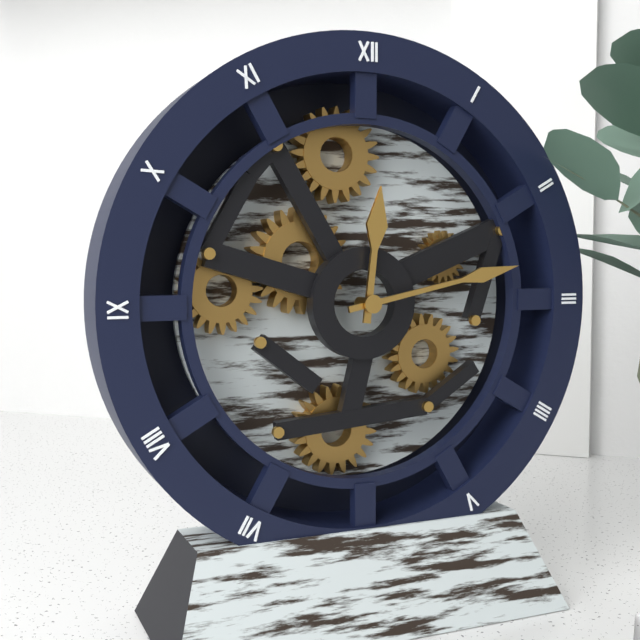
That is 12:13
